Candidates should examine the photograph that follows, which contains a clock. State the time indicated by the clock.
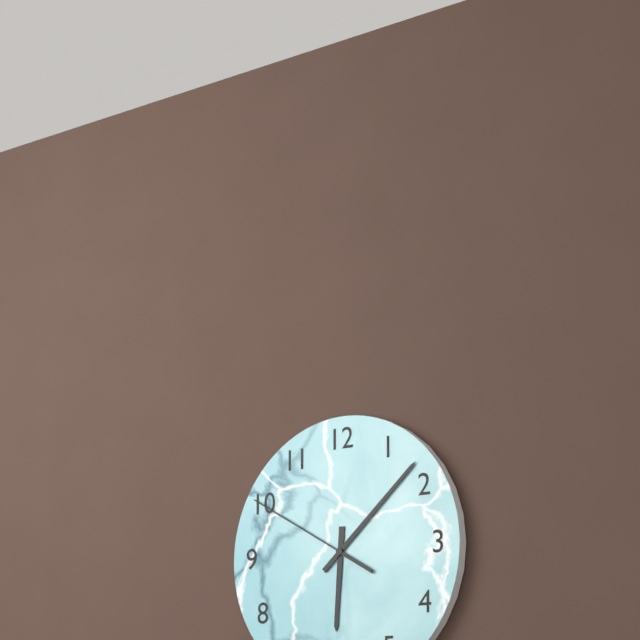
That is 6:08:50
